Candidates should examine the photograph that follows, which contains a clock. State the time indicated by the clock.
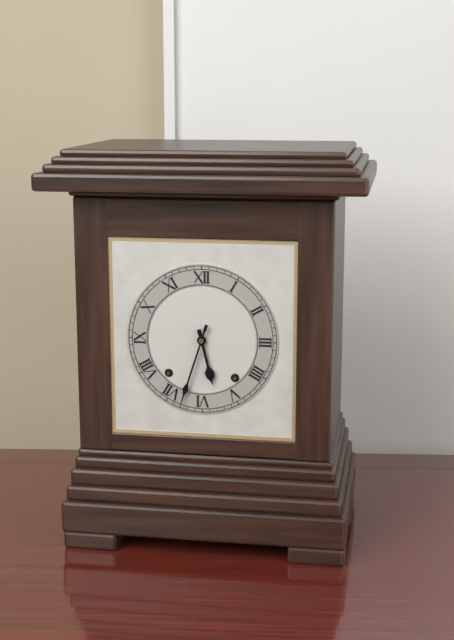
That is 5:33
